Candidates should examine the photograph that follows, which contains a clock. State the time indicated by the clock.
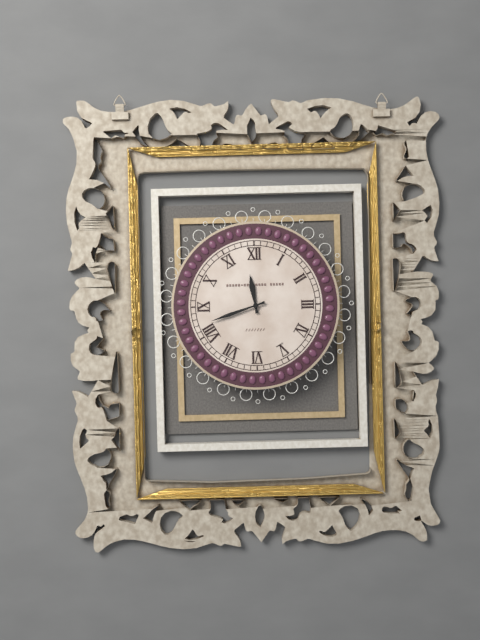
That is 11:42
